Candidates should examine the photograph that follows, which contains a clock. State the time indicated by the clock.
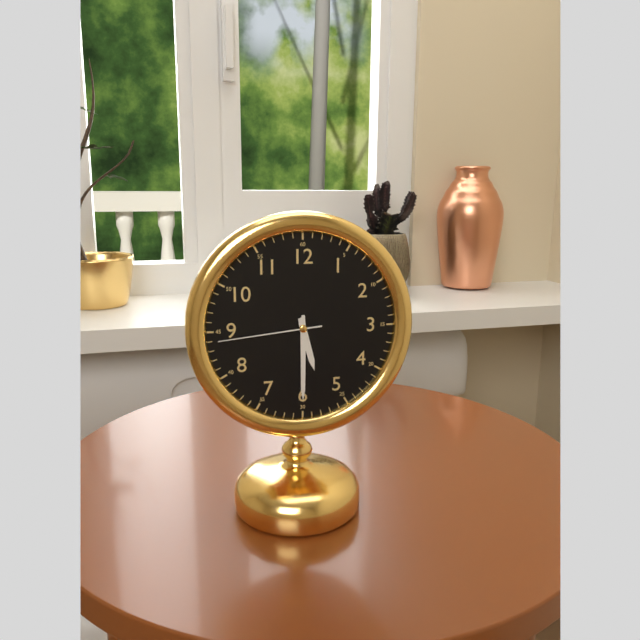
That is 5:30:44
